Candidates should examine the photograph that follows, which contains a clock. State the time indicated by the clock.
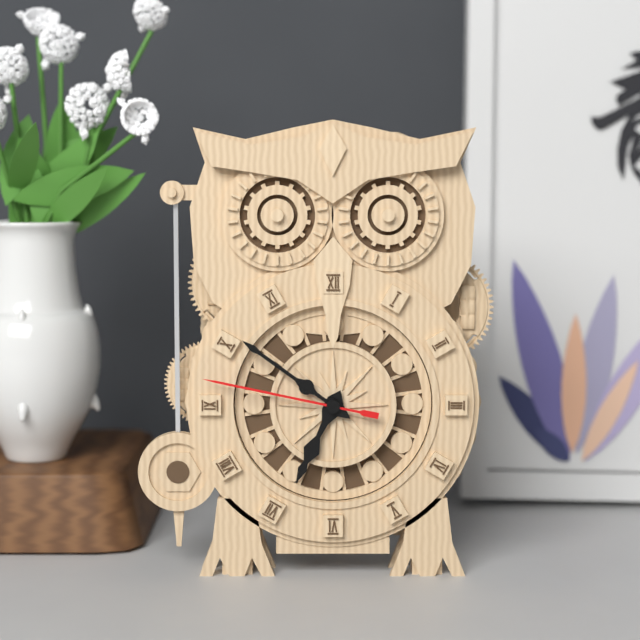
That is 6:51:47
